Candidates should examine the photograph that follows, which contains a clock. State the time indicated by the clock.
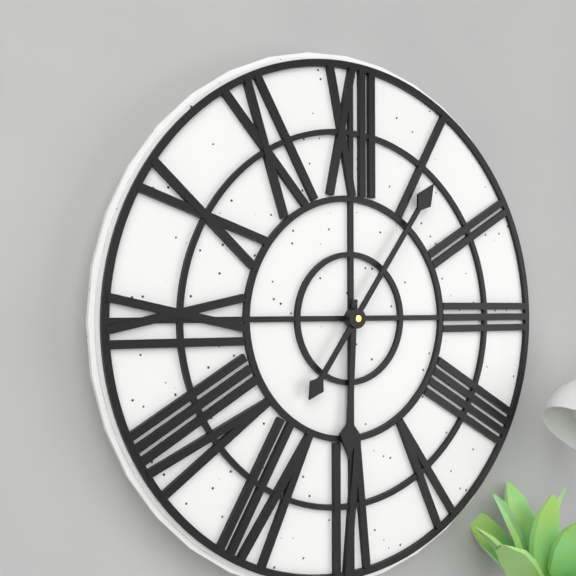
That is 6:06
